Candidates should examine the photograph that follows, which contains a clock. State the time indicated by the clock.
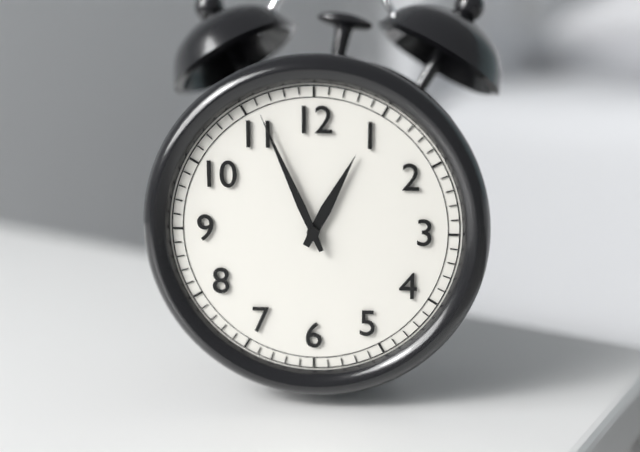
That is 12:56
